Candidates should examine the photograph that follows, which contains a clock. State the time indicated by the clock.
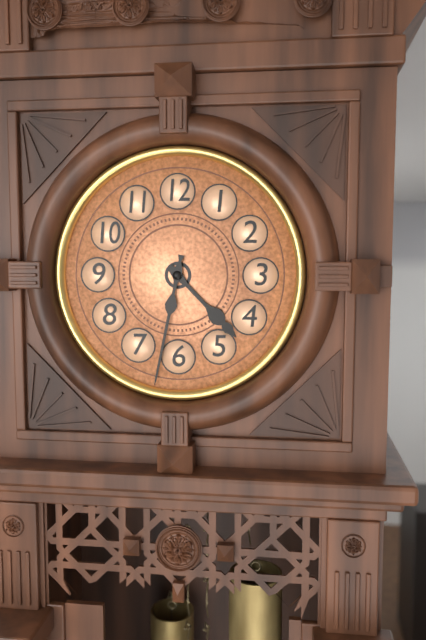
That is 4:32
